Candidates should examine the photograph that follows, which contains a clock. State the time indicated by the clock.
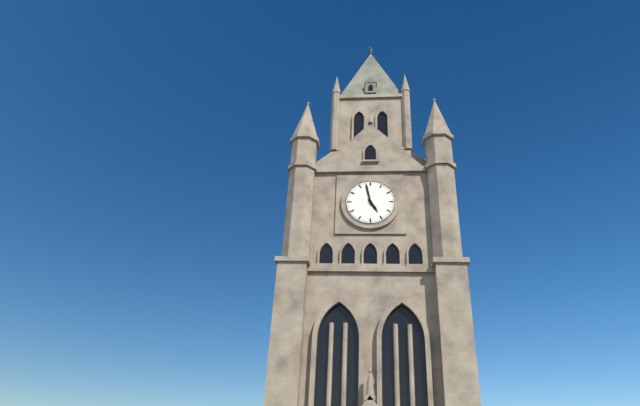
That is 4:58
